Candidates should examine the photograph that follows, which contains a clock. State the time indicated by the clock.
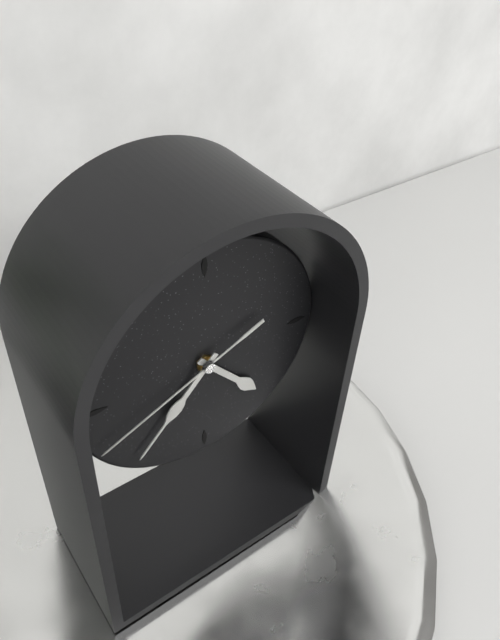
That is 4:37:41
